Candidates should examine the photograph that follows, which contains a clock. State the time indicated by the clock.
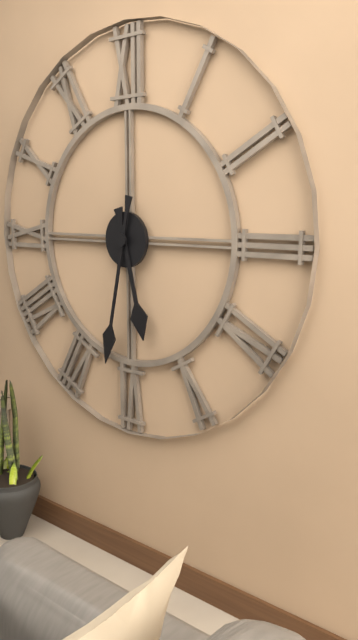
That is 5:32
